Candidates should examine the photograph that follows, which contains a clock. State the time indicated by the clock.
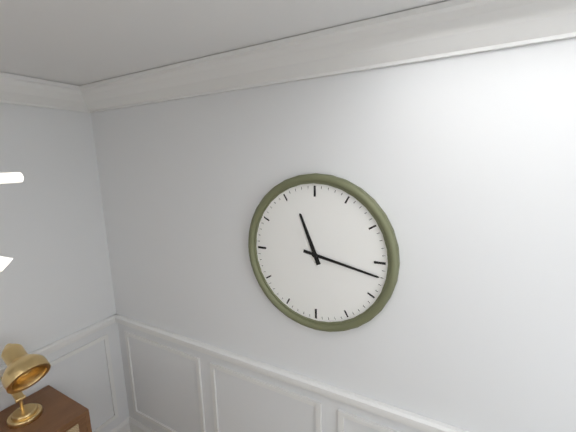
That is 11:17
